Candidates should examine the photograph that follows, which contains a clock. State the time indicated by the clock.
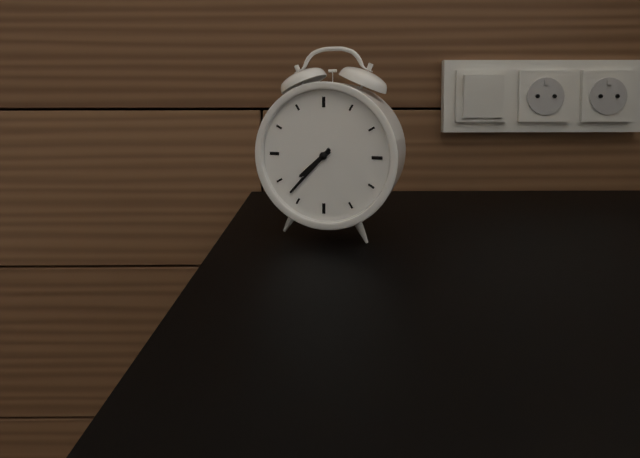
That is 7:37
